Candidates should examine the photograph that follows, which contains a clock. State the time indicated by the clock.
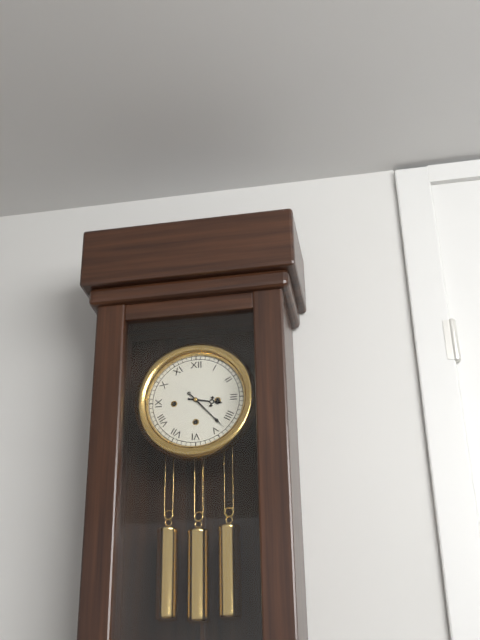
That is 3:23
